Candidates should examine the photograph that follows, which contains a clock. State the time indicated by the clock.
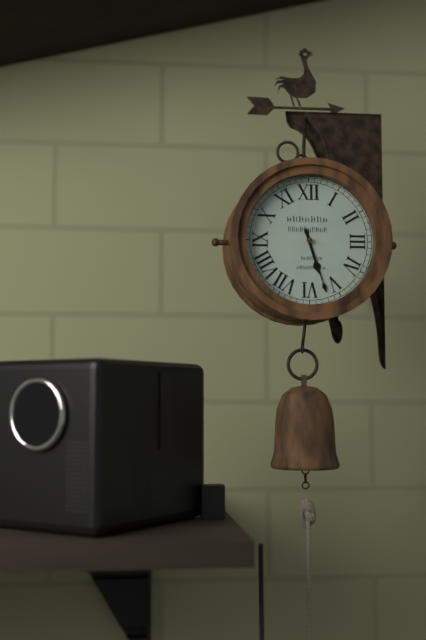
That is 5:27
